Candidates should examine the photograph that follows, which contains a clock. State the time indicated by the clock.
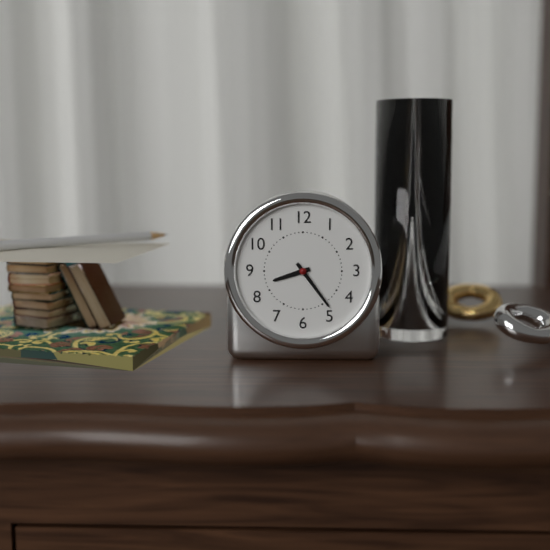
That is 8:24
